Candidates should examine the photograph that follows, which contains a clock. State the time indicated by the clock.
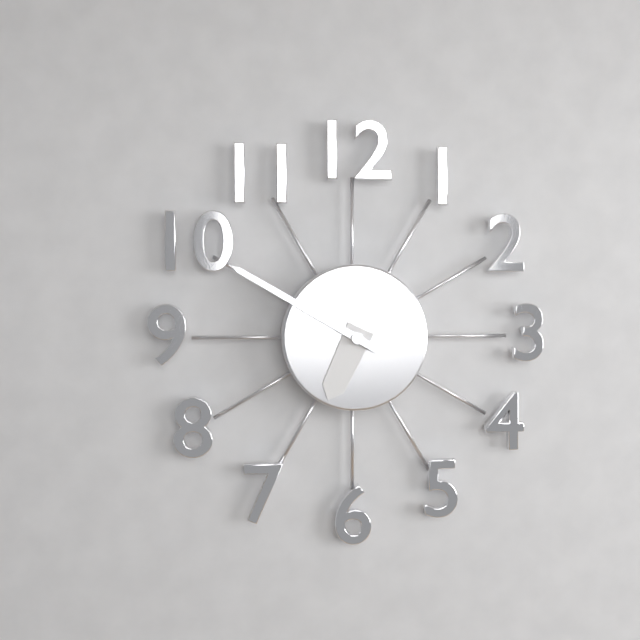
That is 6:50
